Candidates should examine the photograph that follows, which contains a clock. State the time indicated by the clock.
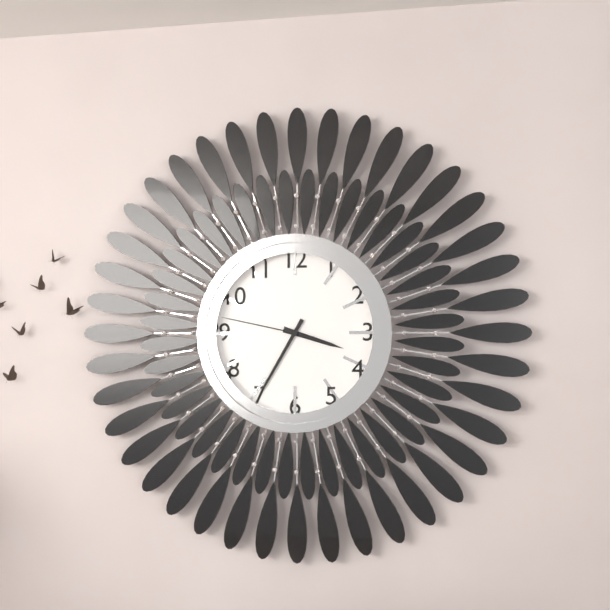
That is 3:35:47
